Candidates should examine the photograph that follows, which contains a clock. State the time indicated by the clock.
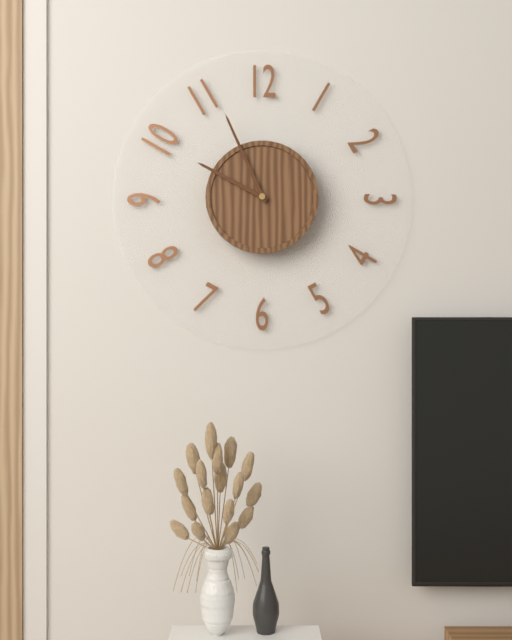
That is 9:56
